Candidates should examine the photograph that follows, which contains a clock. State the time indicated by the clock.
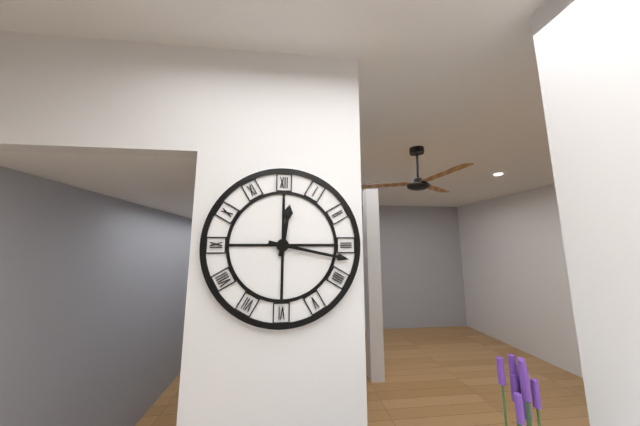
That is 12:17
